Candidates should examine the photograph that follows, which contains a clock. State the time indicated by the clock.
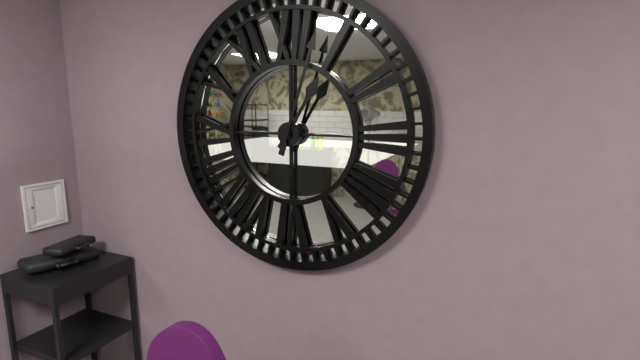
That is 1:03
